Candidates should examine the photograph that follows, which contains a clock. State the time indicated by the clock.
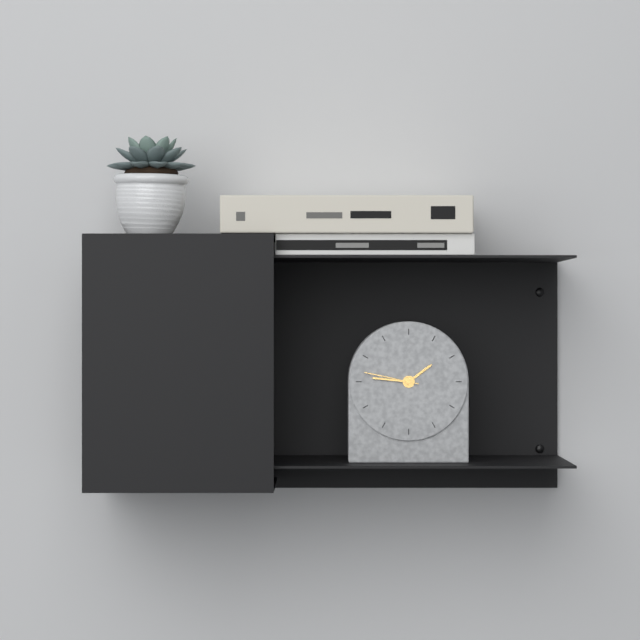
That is 1:46:47
